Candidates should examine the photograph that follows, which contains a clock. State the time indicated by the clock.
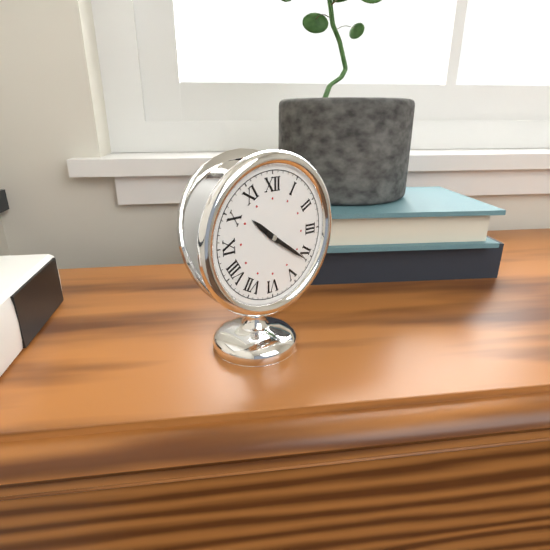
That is 10:21
